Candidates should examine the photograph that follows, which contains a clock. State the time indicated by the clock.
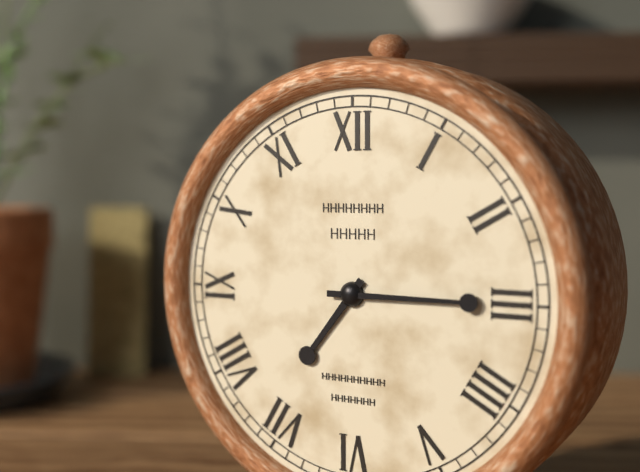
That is 7:15
